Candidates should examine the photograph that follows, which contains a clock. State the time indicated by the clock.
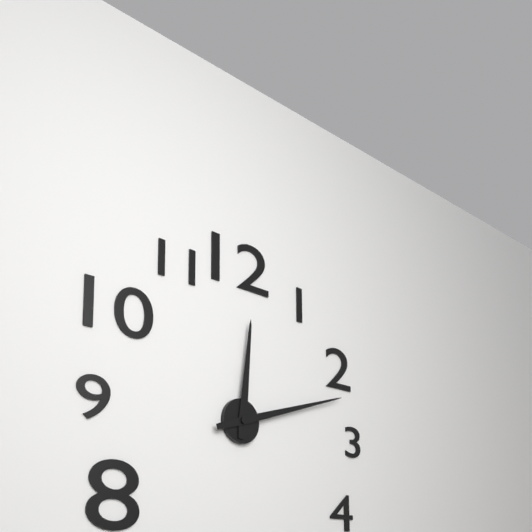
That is 12:12
